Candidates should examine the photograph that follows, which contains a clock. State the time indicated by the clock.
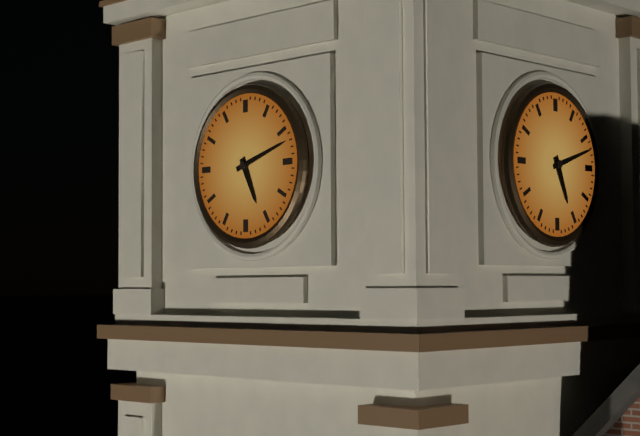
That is 5:12
